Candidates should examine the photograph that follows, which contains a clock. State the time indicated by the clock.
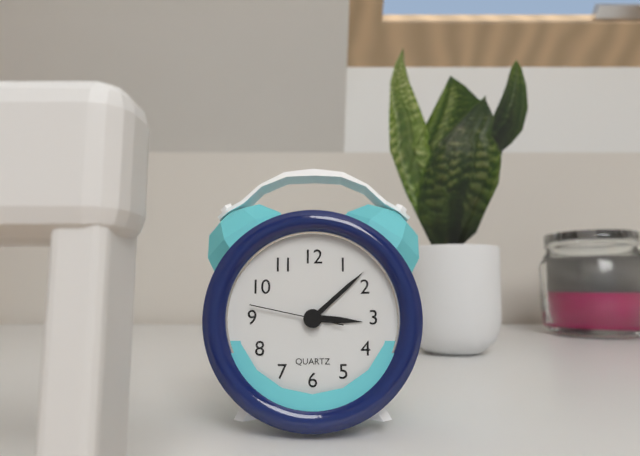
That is 3:08:47
